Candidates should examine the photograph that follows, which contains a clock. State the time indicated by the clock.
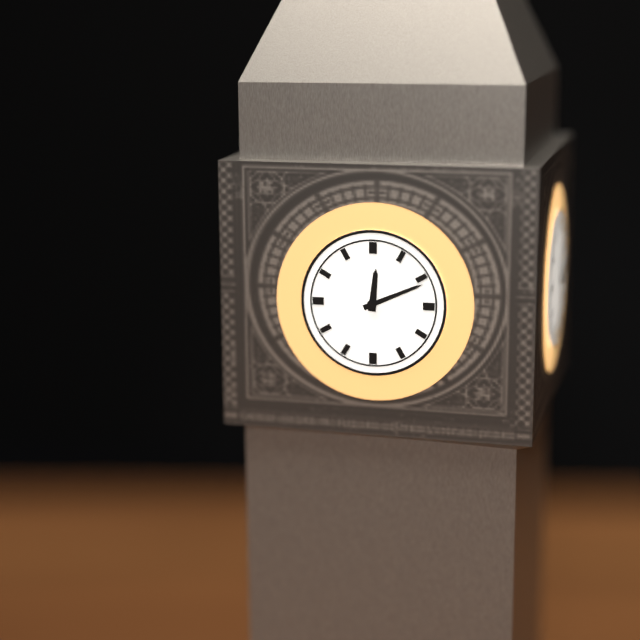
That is 12:11
